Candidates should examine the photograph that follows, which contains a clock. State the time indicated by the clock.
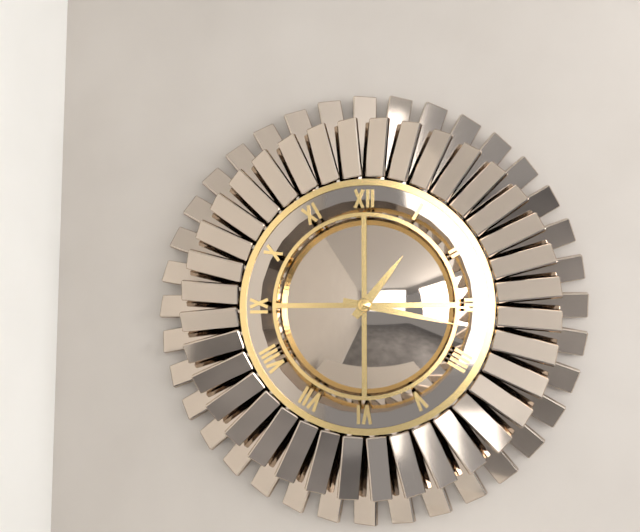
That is 1:17
